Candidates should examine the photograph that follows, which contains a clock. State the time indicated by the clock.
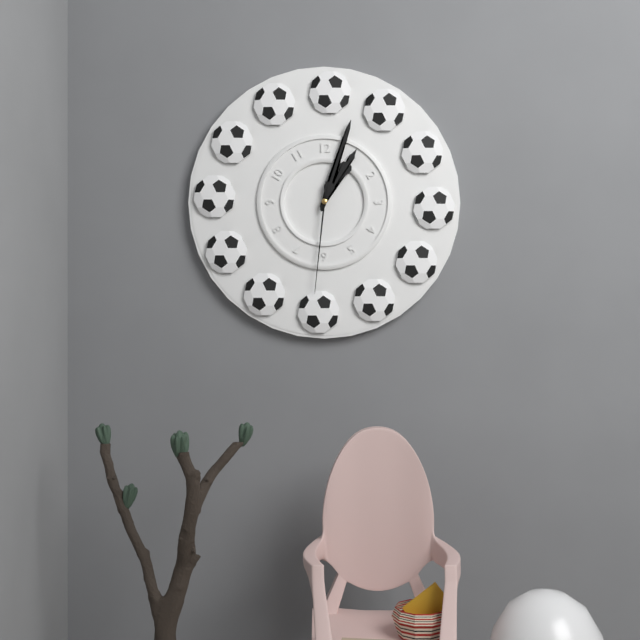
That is 1:03:31
